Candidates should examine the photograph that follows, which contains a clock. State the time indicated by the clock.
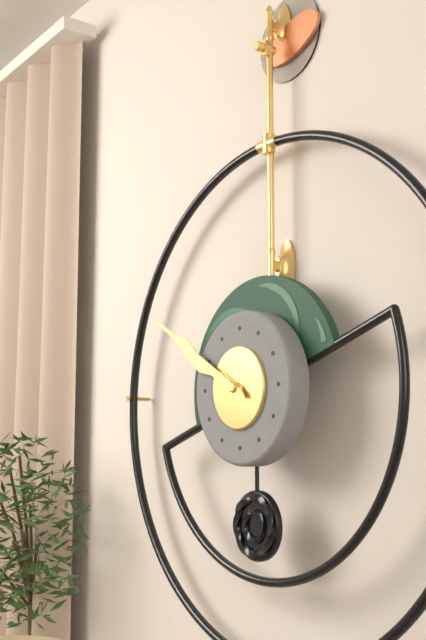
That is 9:50
